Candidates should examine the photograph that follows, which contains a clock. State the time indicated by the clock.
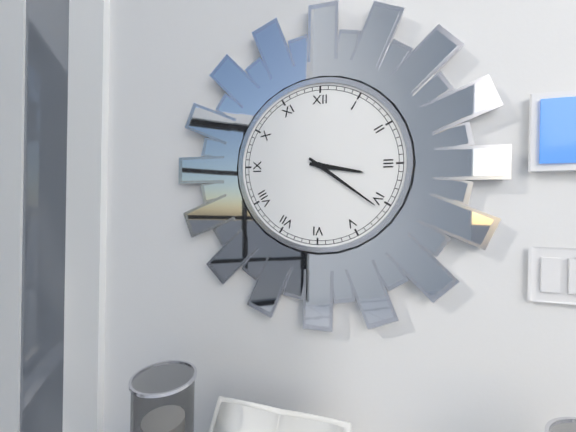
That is 3:21
